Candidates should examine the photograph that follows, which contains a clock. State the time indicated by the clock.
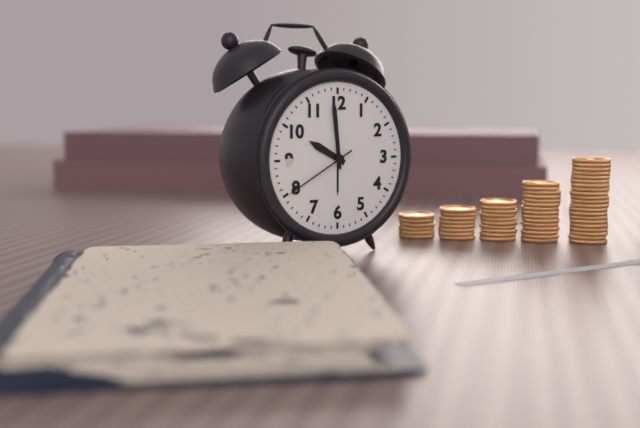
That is 9:59:40
